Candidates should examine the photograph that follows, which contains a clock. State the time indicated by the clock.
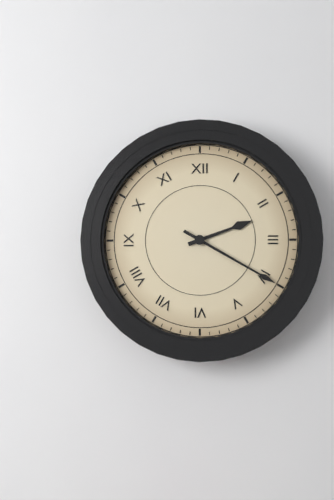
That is 2:20
